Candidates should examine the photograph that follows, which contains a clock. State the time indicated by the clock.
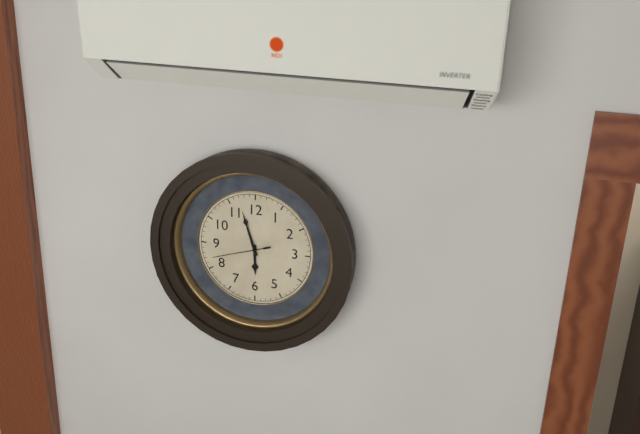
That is 5:57:42
